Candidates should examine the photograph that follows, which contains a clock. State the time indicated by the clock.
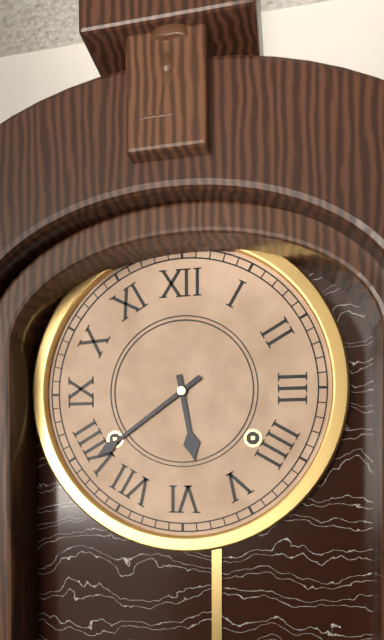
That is 5:39
